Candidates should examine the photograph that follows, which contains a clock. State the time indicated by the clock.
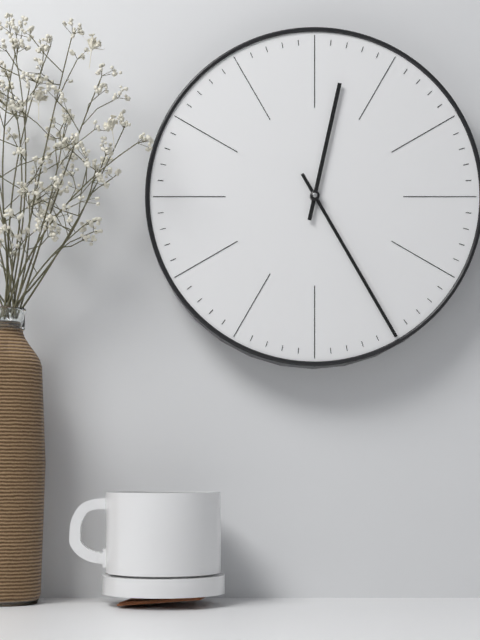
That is 12:25
